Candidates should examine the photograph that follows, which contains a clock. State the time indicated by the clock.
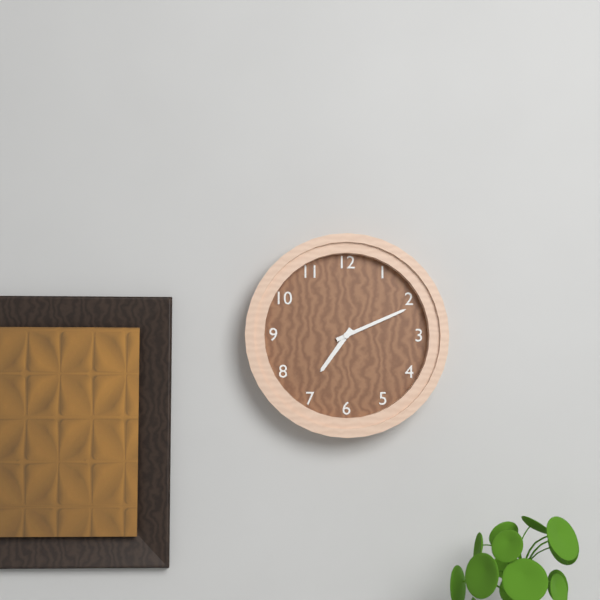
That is 7:11
